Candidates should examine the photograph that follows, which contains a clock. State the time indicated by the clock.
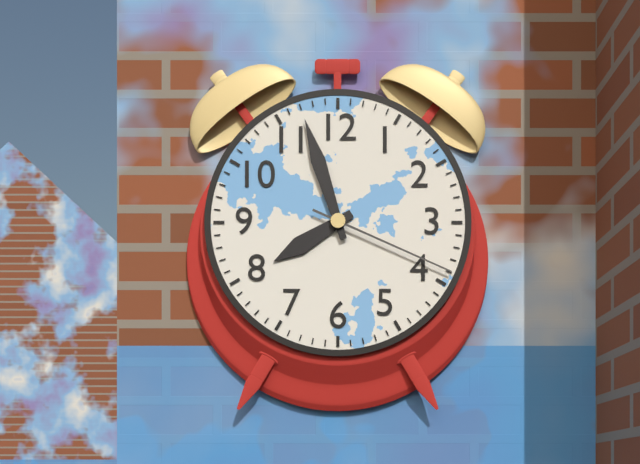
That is 7:57:19
